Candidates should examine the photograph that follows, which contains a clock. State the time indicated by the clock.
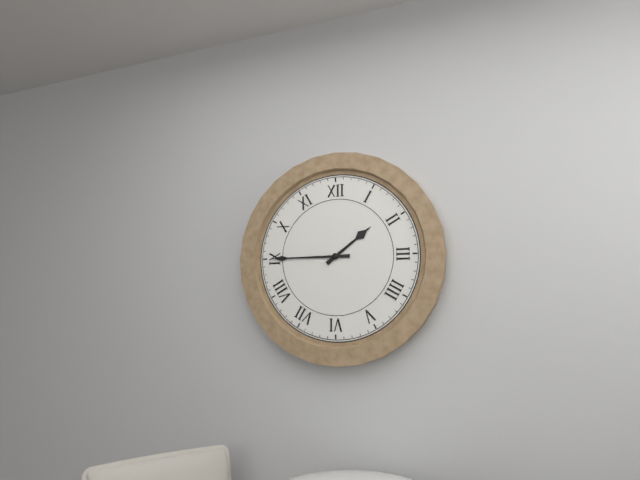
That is 1:45
